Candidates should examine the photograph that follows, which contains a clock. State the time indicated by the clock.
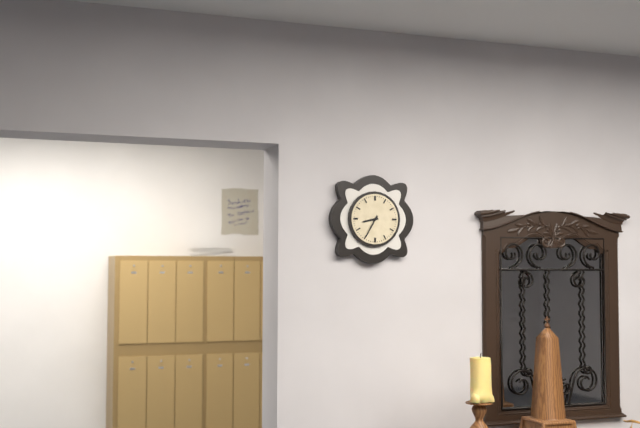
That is 8:35
